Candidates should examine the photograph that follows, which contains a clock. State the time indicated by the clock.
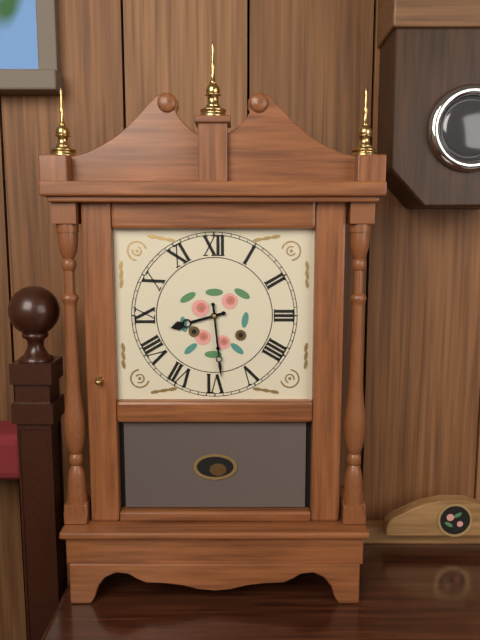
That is 8:29
